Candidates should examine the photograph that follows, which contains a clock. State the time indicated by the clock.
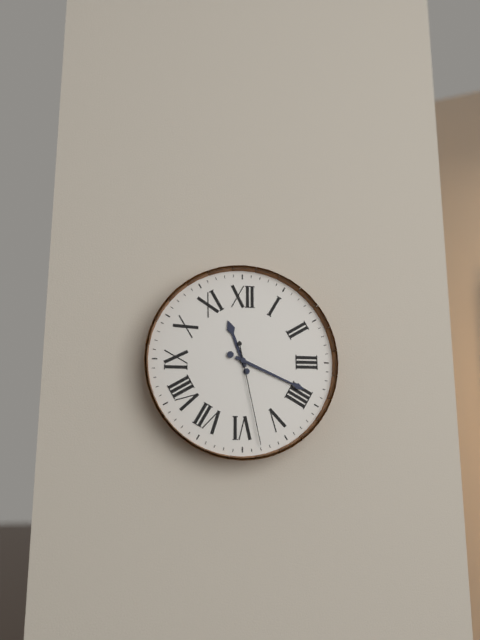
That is 11:19:28
